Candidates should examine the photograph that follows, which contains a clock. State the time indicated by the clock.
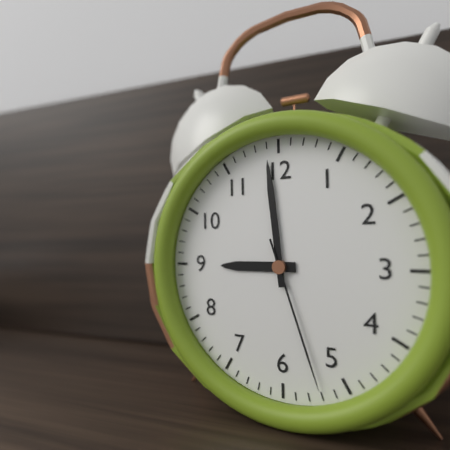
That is 8:59:27
